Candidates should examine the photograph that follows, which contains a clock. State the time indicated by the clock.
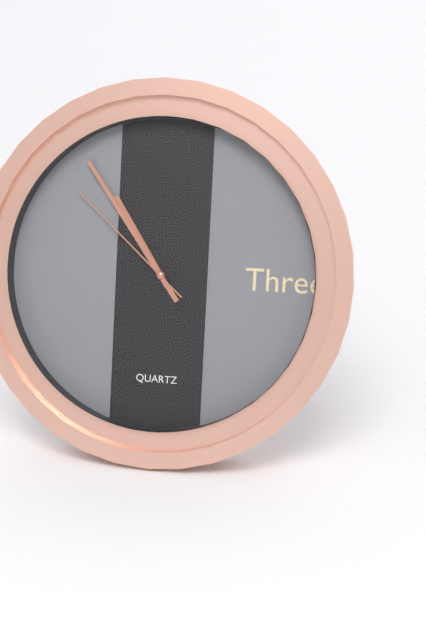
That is 10:54:52
